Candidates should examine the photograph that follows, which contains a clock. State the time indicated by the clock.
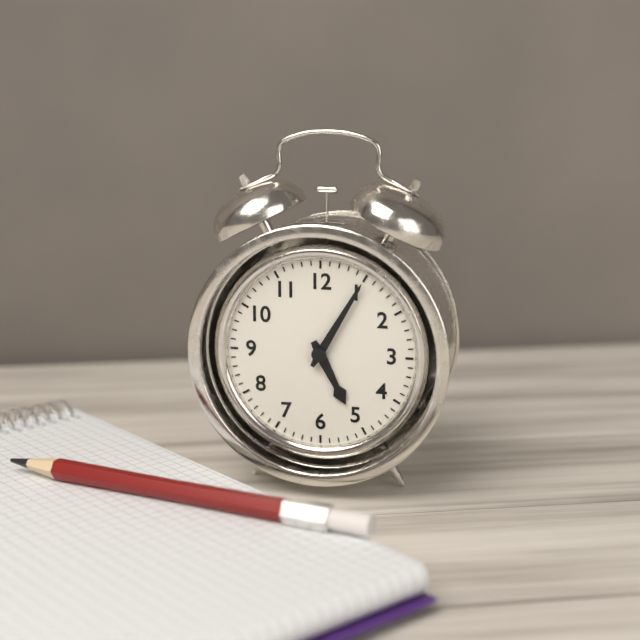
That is 5:05
